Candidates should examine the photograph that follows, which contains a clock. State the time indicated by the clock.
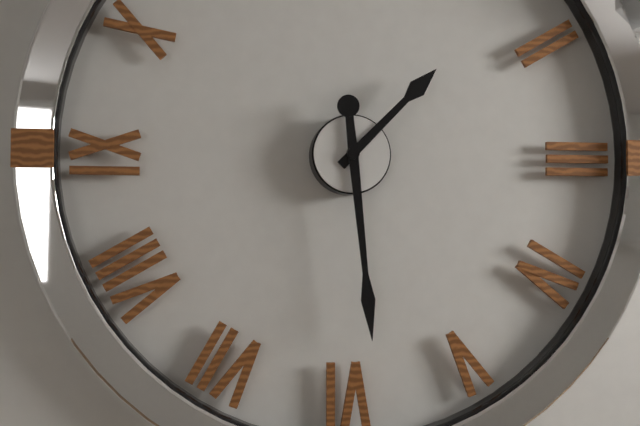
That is 1:29
